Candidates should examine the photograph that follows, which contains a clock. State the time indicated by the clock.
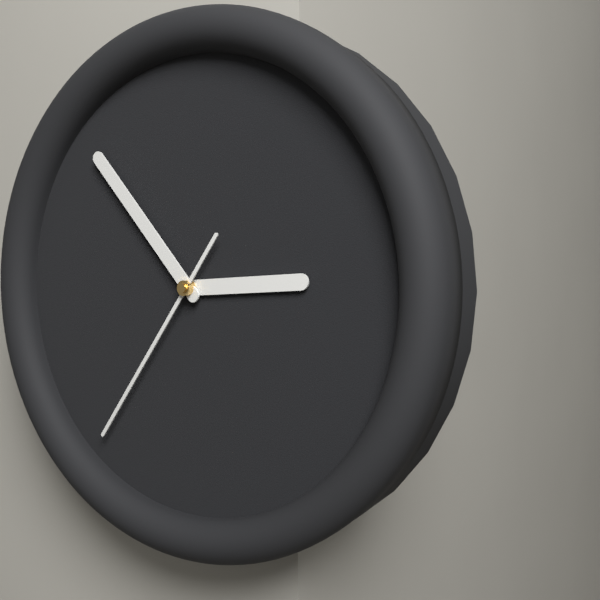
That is 2:53:36
